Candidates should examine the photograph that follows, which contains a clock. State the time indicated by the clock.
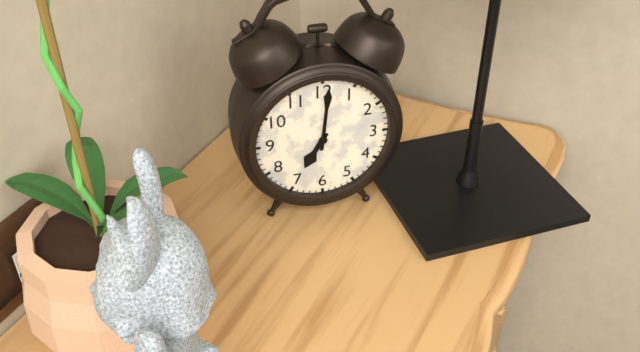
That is 7:01
